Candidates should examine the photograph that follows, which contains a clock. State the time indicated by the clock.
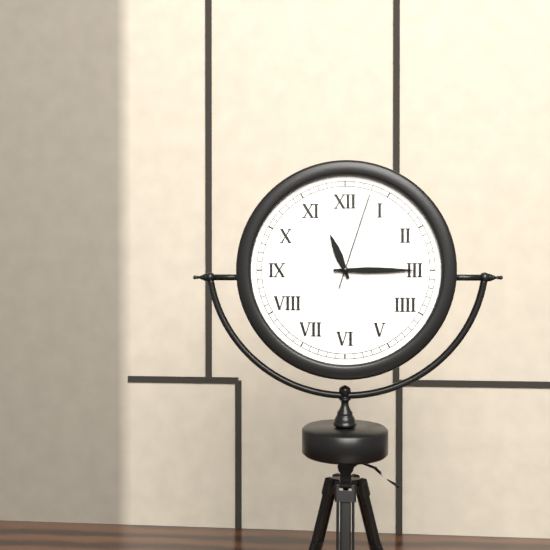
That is 11:15:03
